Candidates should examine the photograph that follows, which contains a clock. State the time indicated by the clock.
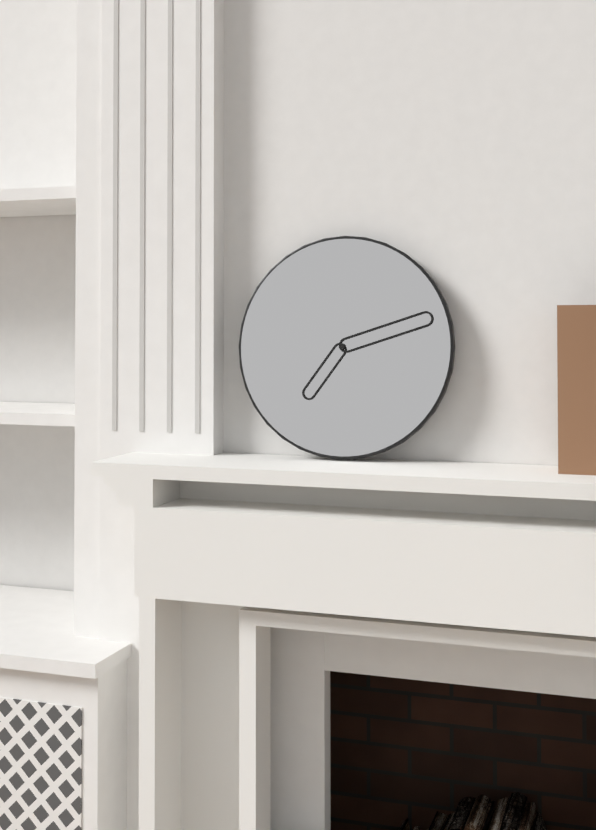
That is 7:12
